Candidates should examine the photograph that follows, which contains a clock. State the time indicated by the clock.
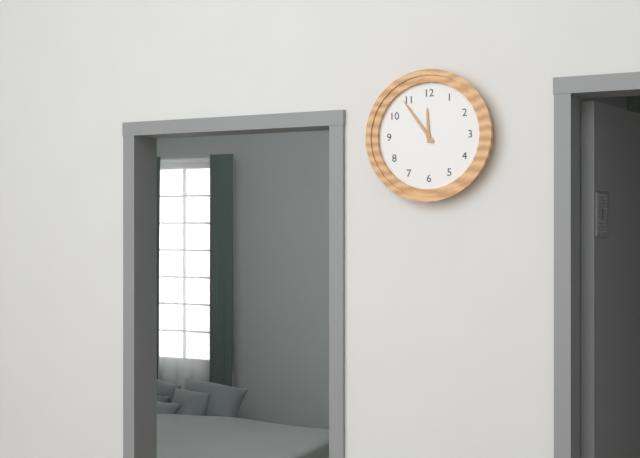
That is 11:54
